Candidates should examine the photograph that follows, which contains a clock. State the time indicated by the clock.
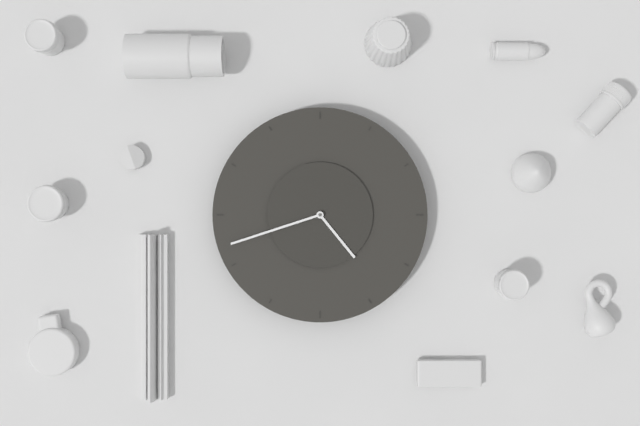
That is 4:42
